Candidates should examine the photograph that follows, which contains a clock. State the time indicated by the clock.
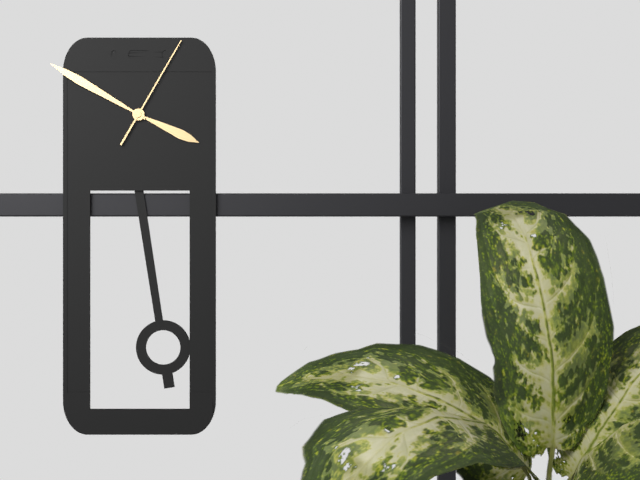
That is 3:50:05
